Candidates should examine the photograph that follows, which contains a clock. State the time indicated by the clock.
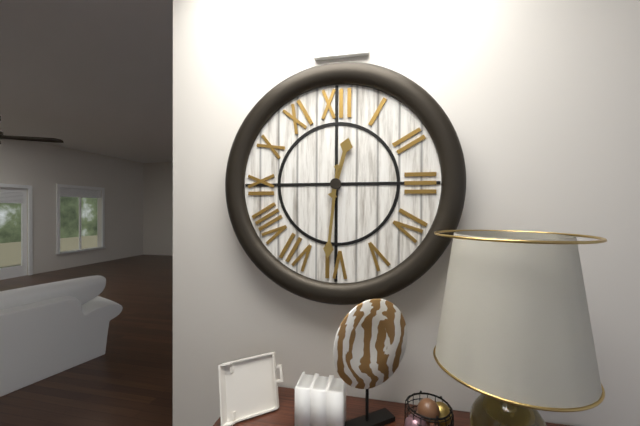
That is 12:31
